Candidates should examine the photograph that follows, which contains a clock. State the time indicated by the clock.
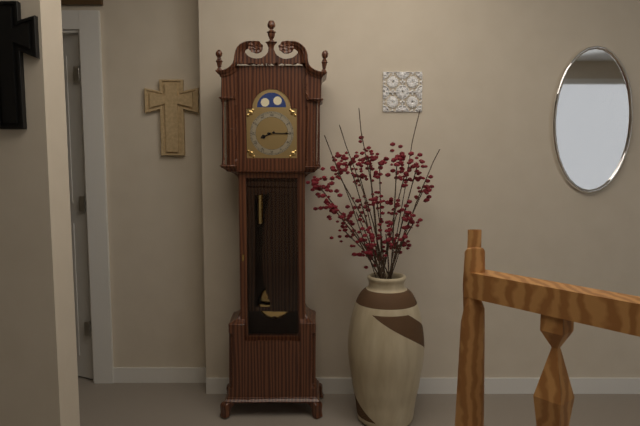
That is 8:15
